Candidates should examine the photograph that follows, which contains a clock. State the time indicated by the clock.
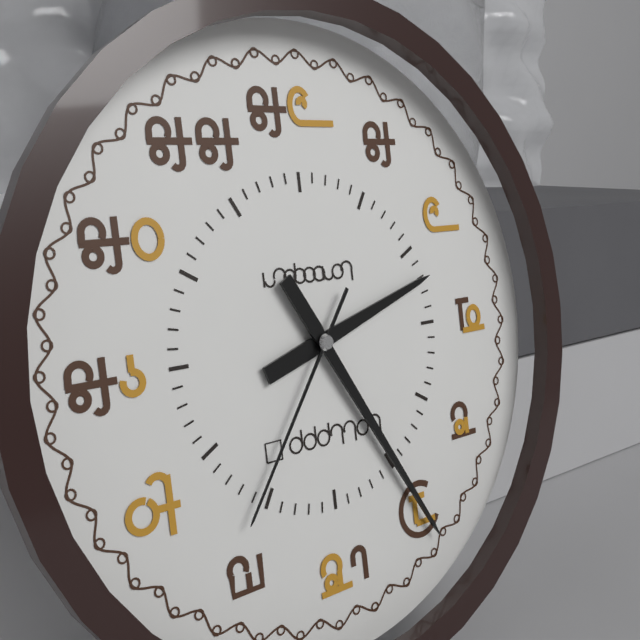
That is 2:25:36
